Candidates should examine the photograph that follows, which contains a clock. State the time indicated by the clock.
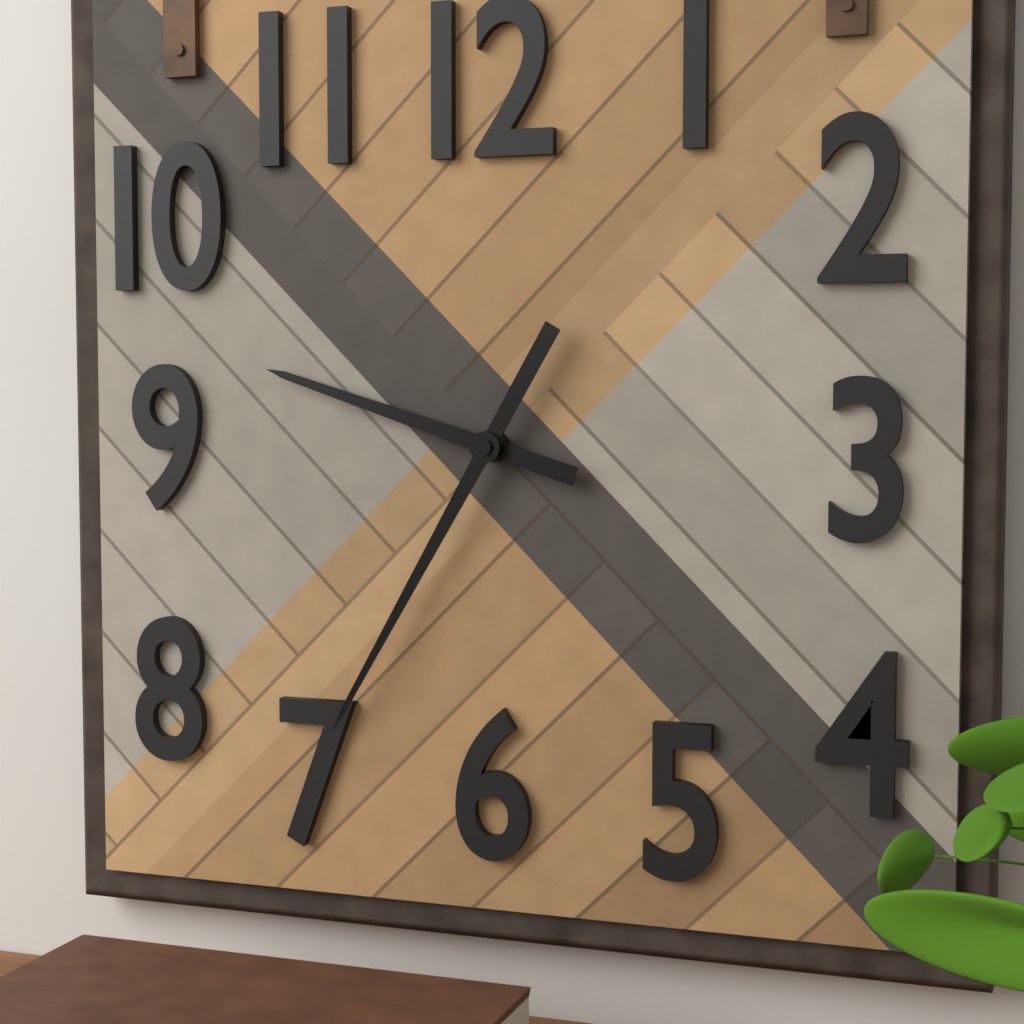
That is 9:35
